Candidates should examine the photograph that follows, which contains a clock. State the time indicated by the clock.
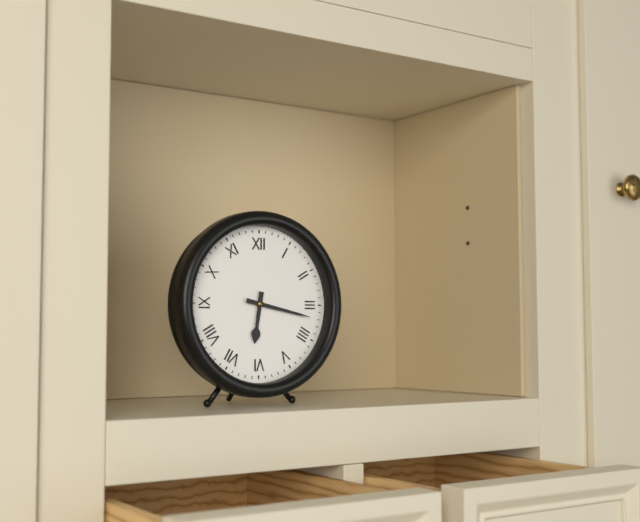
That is 6:17
